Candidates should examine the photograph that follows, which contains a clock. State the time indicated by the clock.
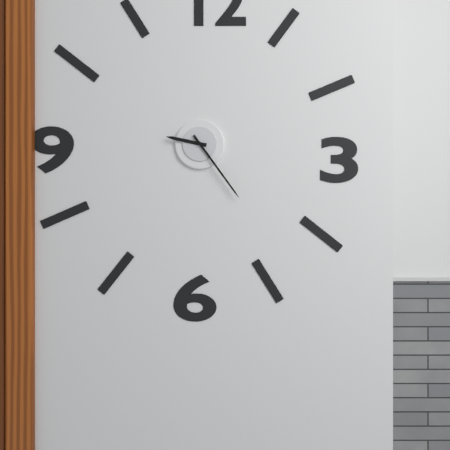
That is 9:24
